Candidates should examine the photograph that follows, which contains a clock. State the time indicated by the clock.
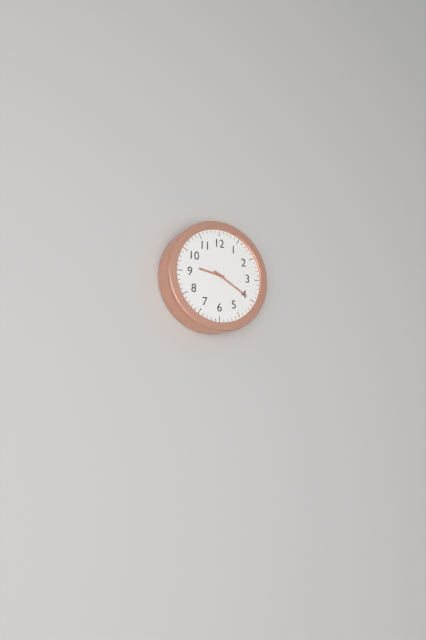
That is 9:20
